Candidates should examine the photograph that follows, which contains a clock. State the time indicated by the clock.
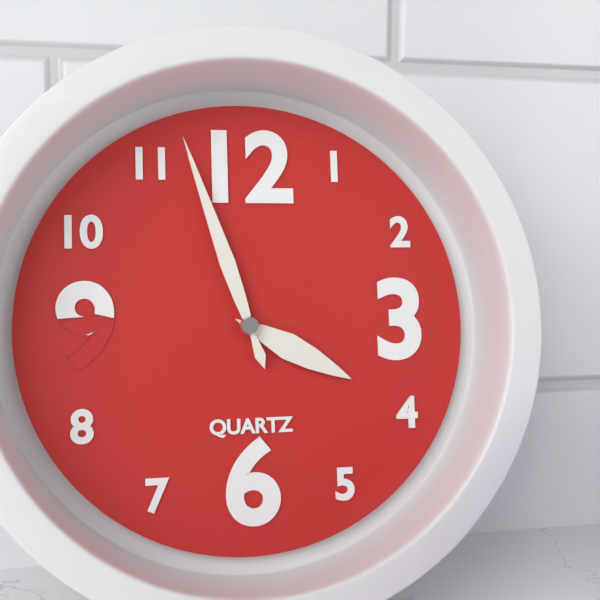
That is 3:57
